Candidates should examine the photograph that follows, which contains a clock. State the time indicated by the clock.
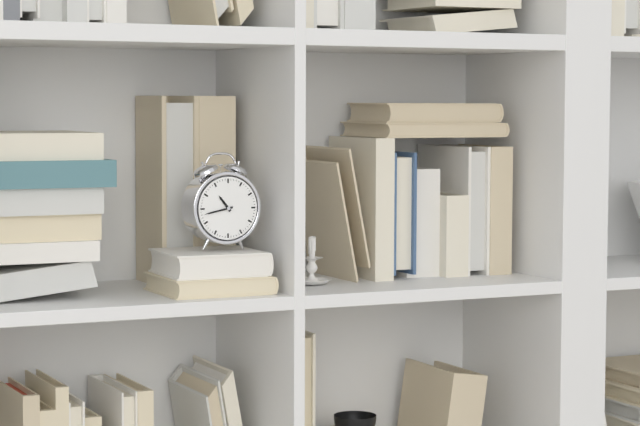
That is 10:43
